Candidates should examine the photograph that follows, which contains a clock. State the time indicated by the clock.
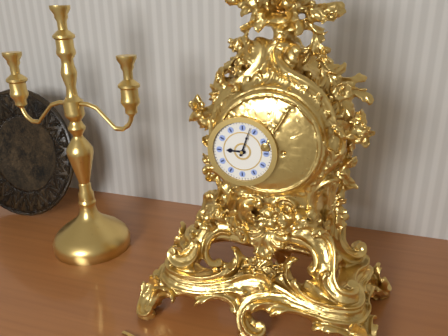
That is 9:03
